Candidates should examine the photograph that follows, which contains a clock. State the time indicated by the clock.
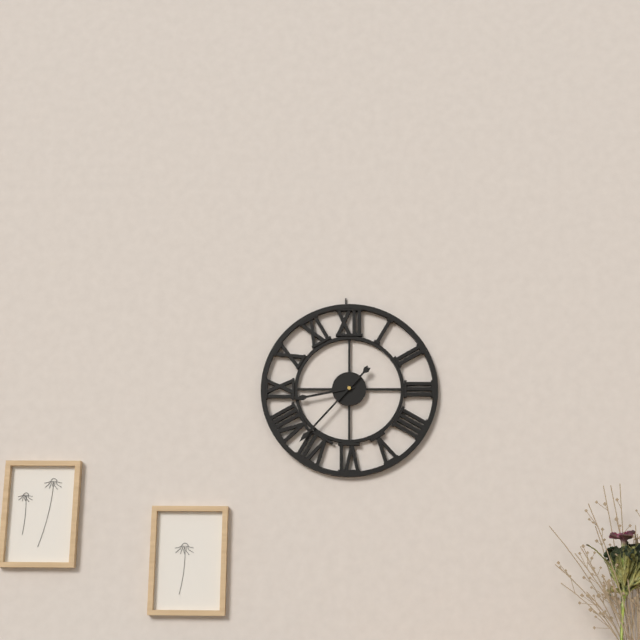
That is 8:37
